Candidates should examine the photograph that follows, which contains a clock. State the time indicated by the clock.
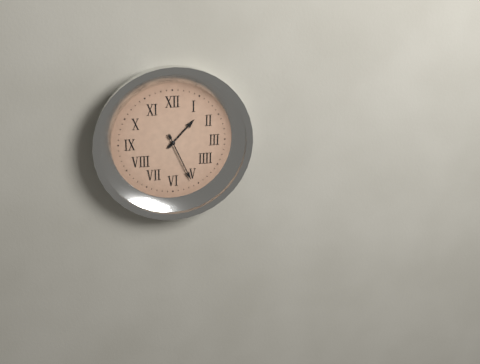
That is 1:26
